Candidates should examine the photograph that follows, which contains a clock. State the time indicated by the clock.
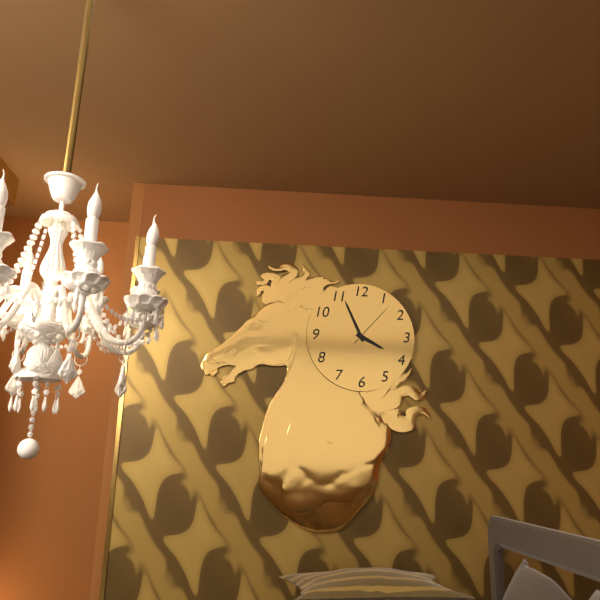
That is 3:56:07
